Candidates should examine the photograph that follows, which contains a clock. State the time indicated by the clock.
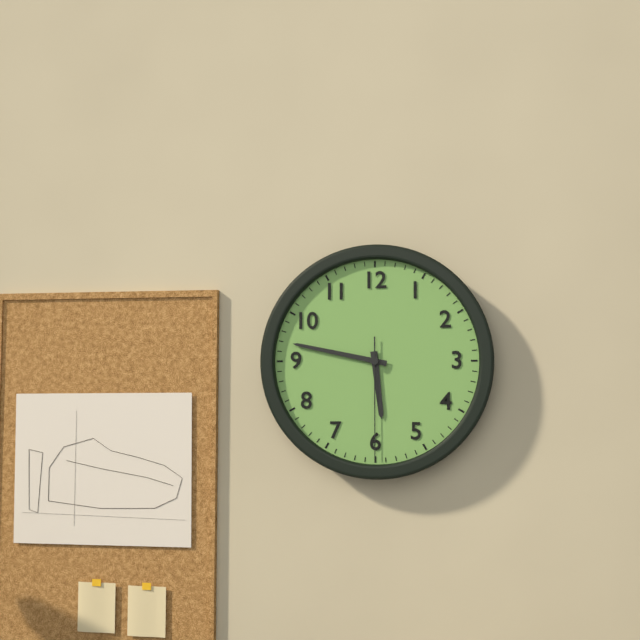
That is 5:47:30
